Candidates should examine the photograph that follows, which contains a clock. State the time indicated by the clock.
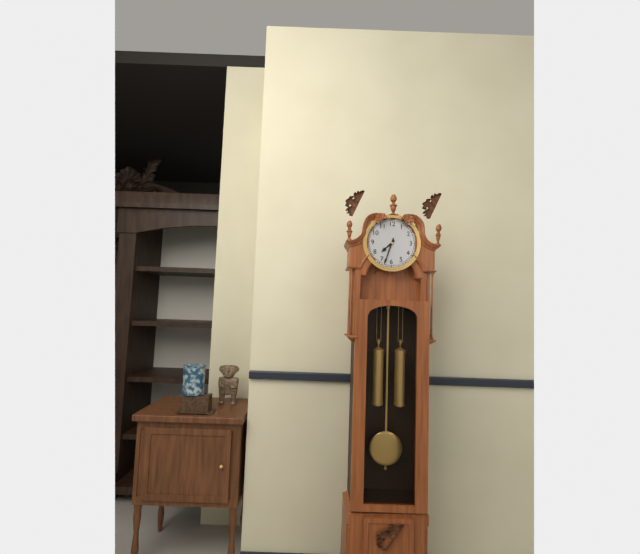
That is 7:33
